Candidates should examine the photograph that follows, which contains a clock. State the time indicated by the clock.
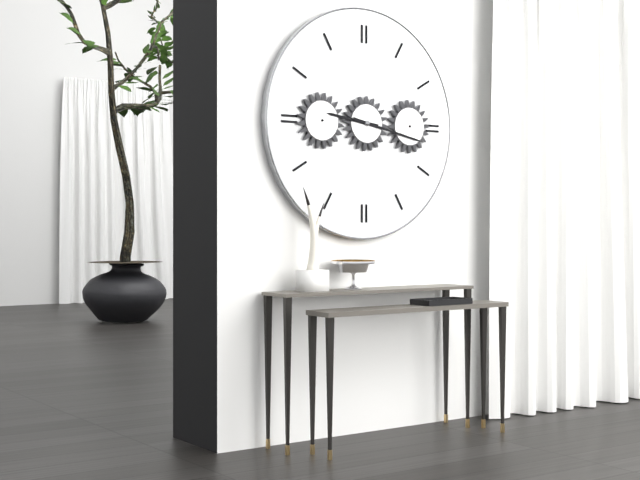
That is 9:17
